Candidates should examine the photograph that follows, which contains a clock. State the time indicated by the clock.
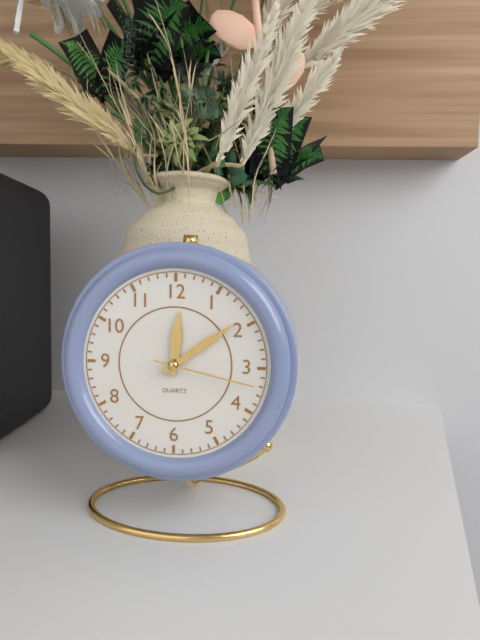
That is 12:09:17
